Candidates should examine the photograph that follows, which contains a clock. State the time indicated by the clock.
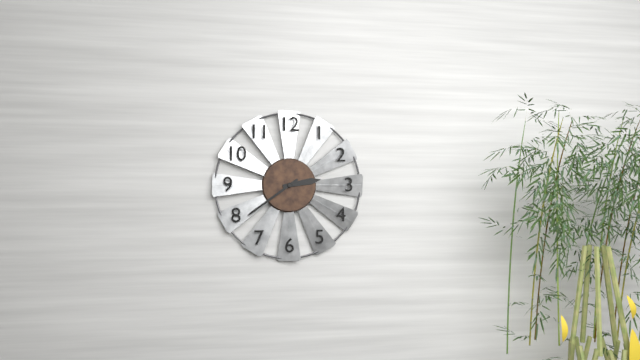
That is 2:39
